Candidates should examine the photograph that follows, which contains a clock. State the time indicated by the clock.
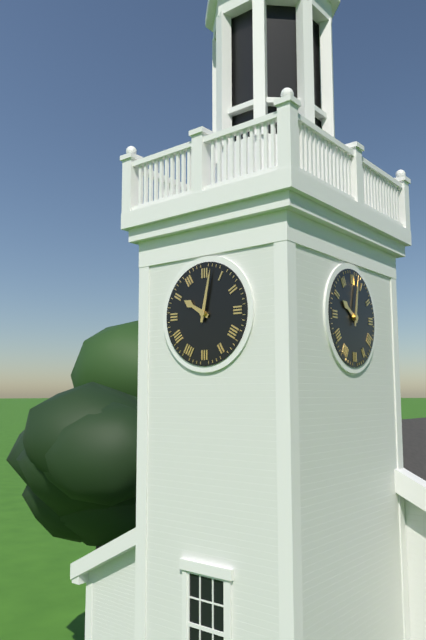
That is 10:02
